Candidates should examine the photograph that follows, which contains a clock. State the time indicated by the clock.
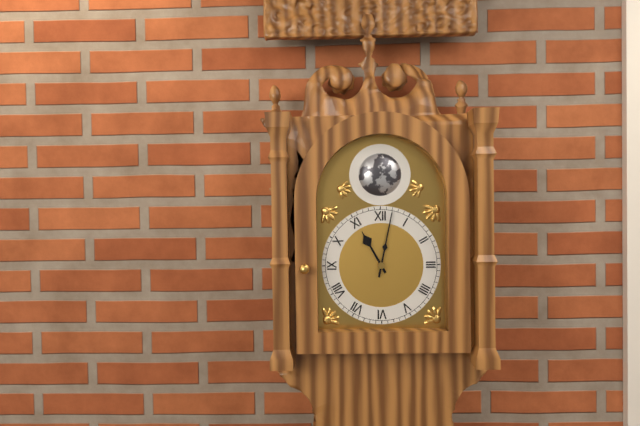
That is 11:02
